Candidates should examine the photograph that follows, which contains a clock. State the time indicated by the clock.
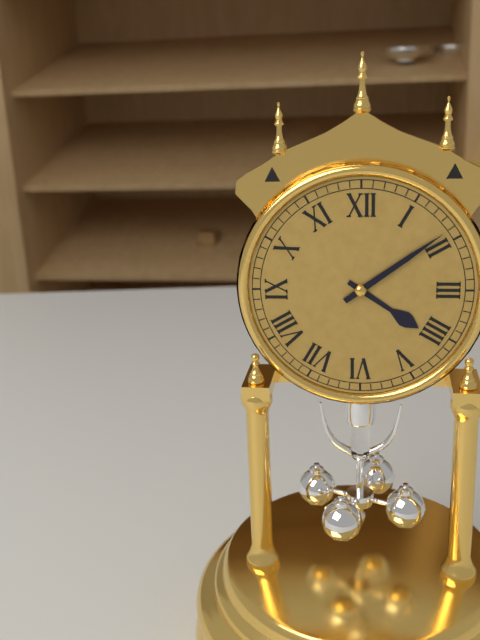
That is 4:09
